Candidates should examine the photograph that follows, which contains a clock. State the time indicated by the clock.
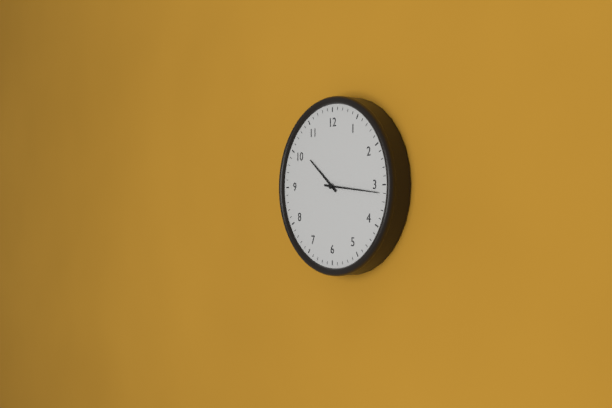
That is 10:16
